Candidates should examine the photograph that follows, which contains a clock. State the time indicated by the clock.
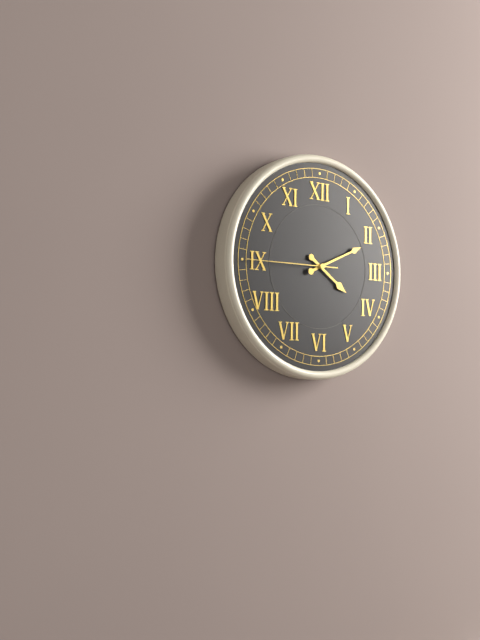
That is 4:11:45
